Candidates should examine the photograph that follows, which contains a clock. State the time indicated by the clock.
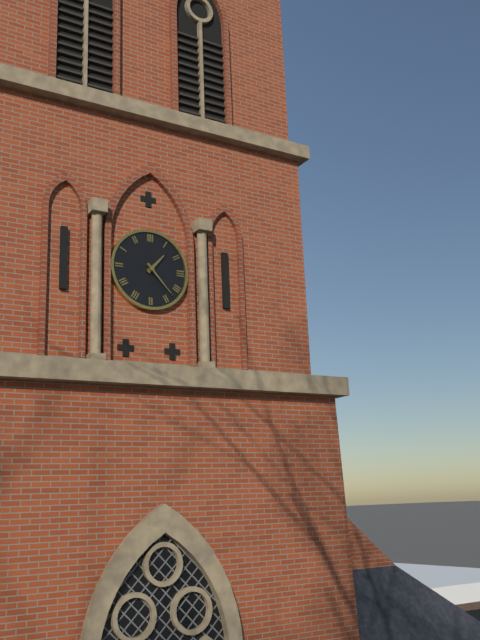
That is 1:23
